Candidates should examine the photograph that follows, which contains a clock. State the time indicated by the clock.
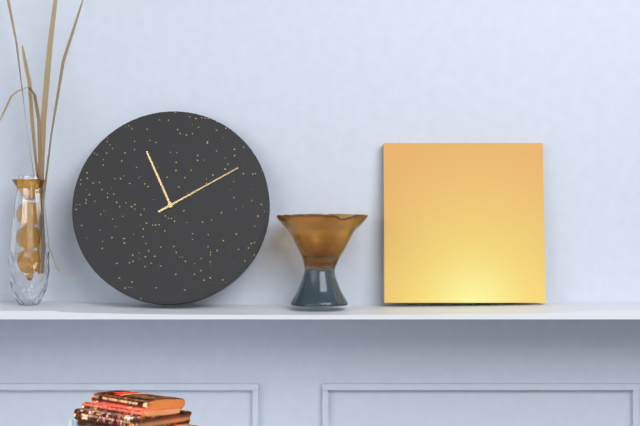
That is 11:10
